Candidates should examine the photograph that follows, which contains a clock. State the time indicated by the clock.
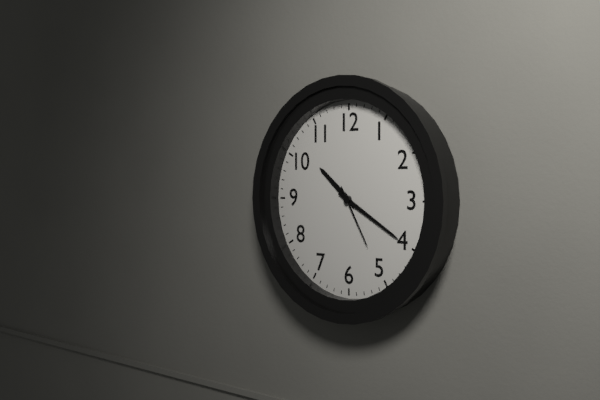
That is 10:20:25
